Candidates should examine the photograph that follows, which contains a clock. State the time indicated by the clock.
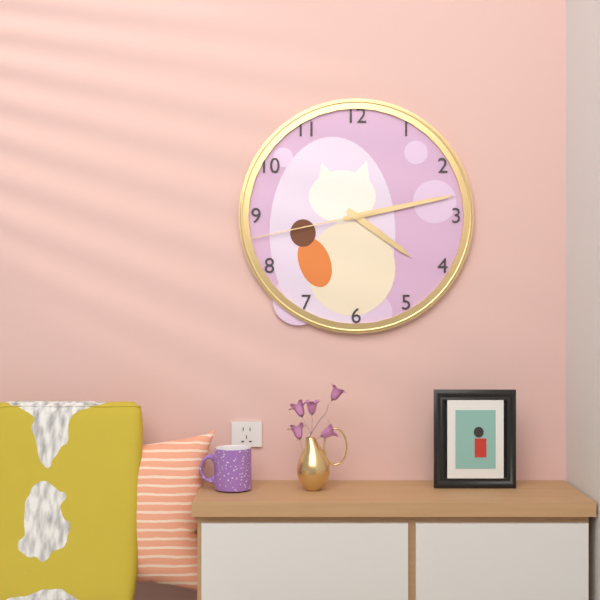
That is 4:13:43
